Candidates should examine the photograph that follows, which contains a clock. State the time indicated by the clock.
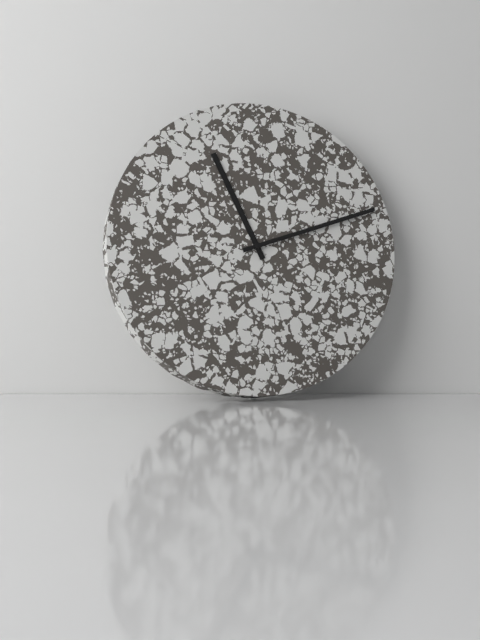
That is 11:12
